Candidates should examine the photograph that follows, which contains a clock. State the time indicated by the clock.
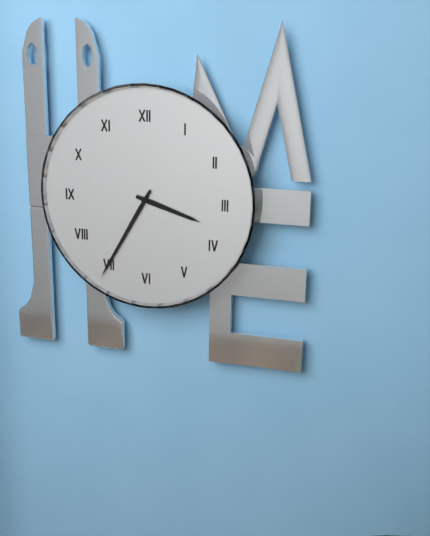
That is 3:35
